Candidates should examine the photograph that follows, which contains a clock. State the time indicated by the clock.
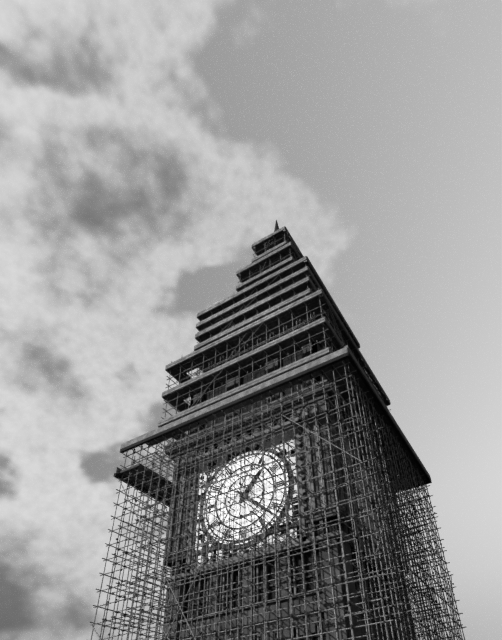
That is 1:22
